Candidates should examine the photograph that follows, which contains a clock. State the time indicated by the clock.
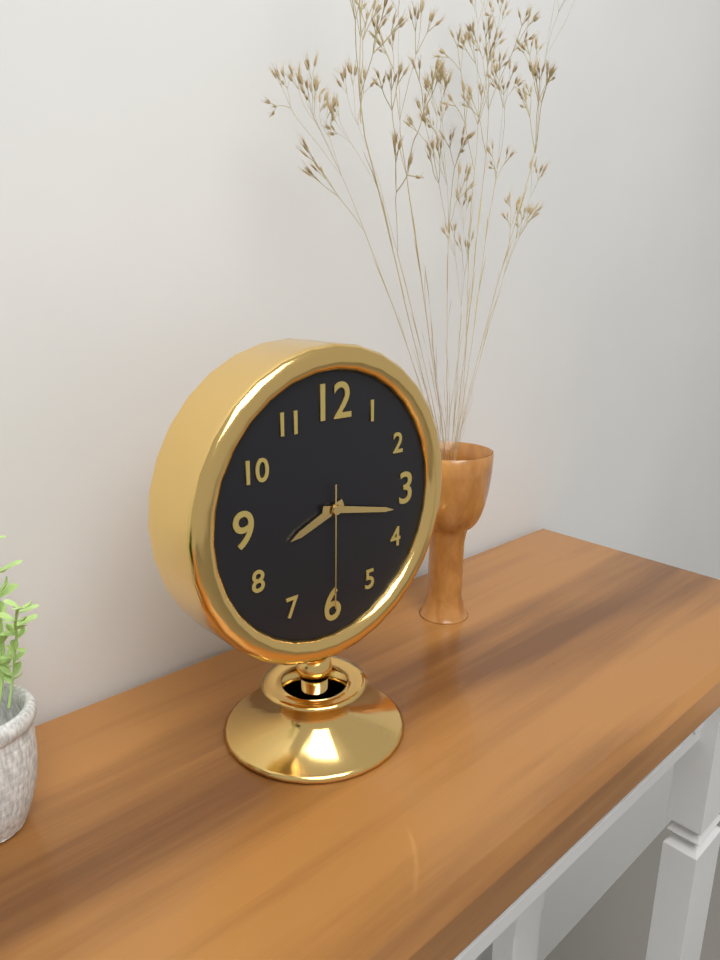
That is 8:17:30
